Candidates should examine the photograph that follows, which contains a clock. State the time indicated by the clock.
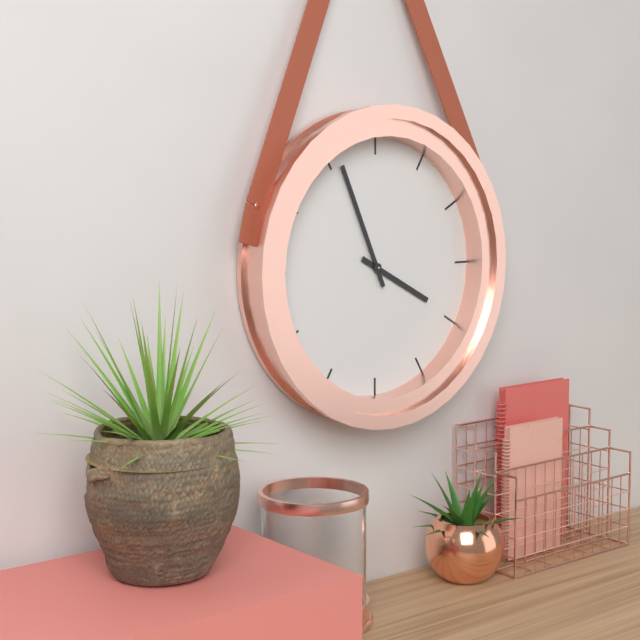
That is 3:56
